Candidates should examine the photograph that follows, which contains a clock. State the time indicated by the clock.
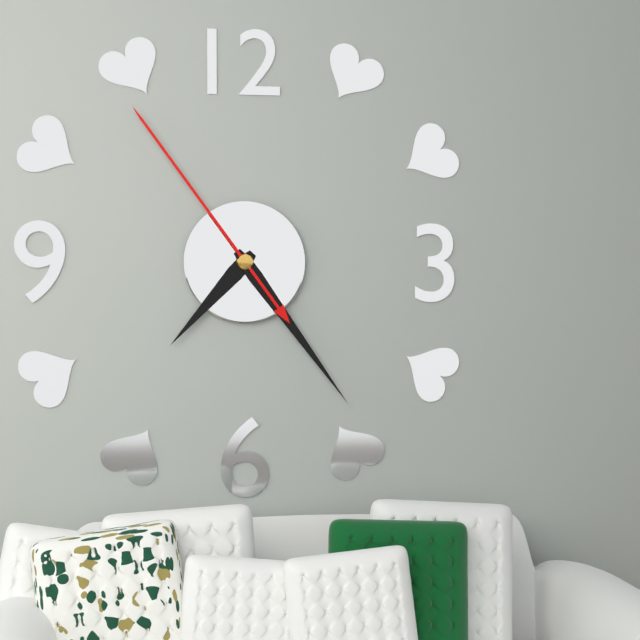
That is 7:24:54
